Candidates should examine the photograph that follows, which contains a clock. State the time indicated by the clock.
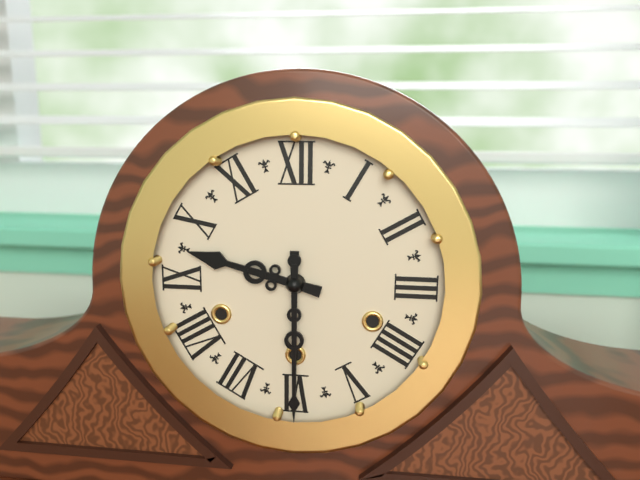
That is 9:30
